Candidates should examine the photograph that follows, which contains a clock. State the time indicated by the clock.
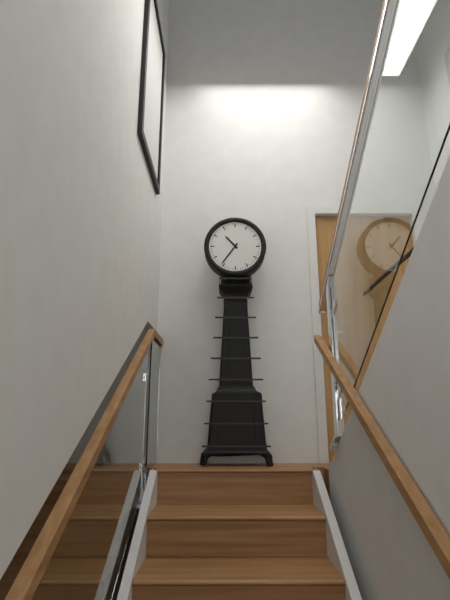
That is 10:36
